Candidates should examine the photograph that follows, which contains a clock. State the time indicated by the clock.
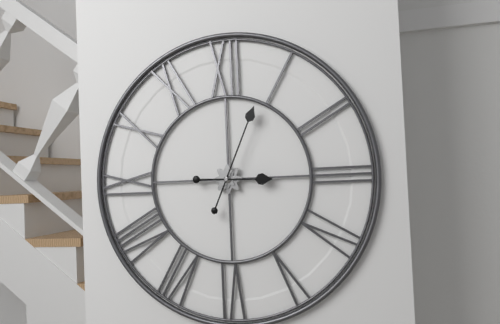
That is 3:04
